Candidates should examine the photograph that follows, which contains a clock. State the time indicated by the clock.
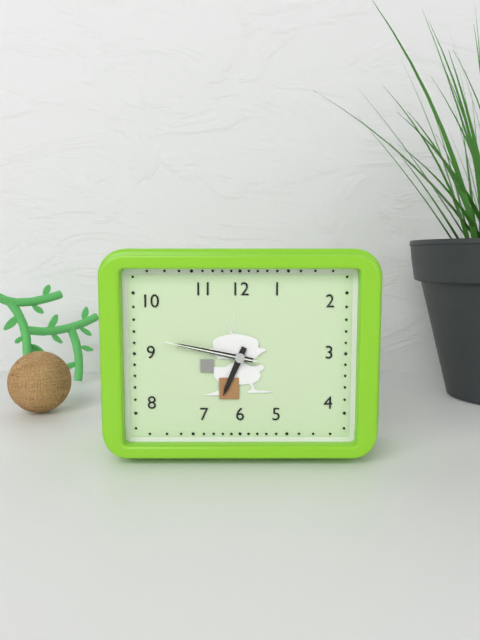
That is 6:47:47
